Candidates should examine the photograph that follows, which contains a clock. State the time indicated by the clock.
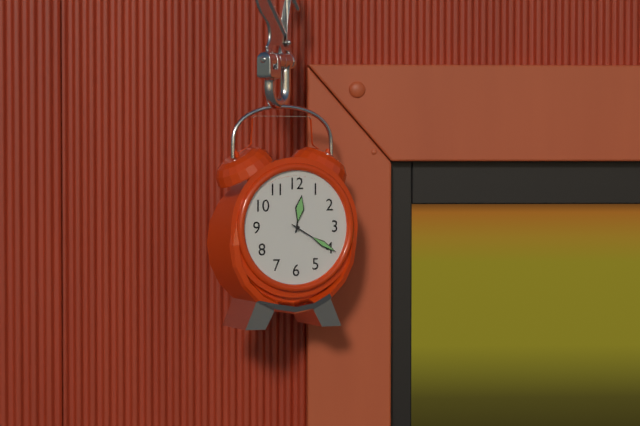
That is 12:20
